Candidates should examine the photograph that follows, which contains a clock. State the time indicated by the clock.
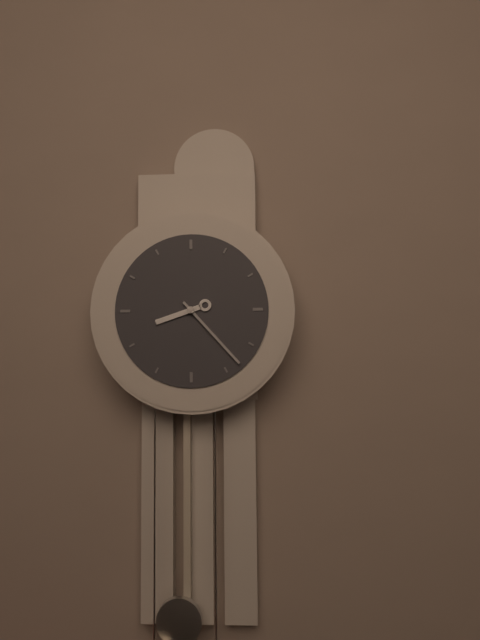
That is 8:23
